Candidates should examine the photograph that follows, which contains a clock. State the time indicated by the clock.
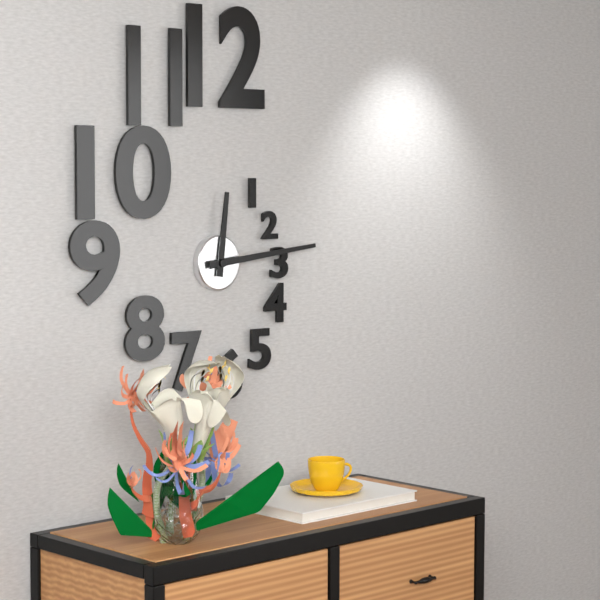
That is 12:14
